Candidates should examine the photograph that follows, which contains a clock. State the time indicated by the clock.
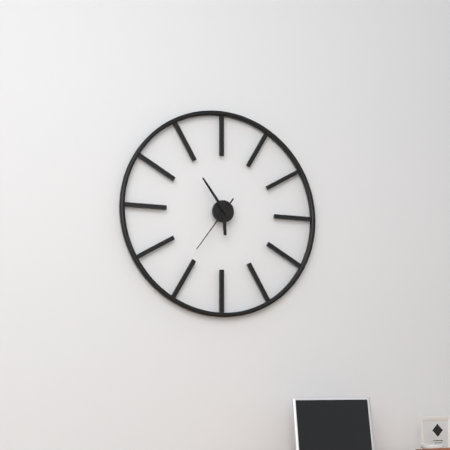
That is 5:54:36
